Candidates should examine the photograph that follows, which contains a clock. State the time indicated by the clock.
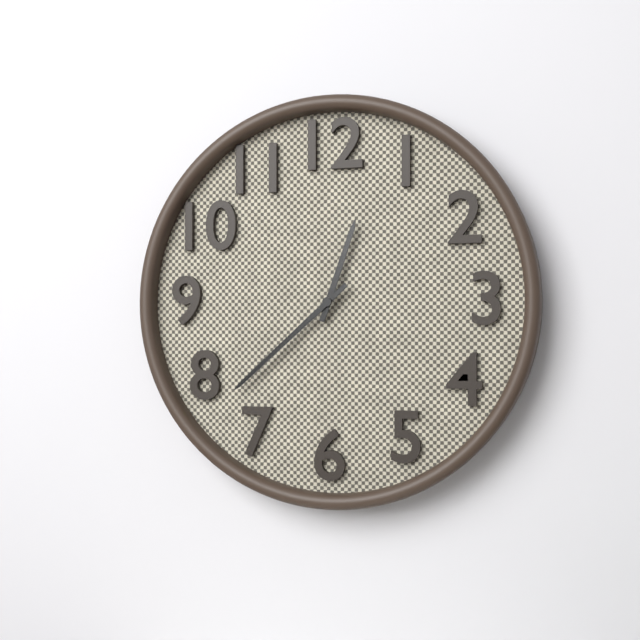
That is 12:38
